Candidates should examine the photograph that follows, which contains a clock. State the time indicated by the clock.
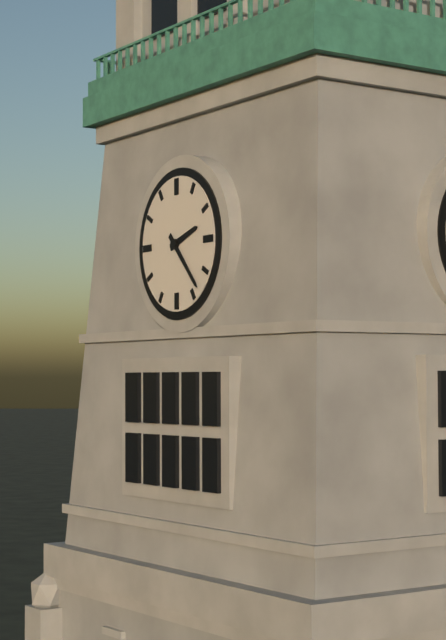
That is 2:23
